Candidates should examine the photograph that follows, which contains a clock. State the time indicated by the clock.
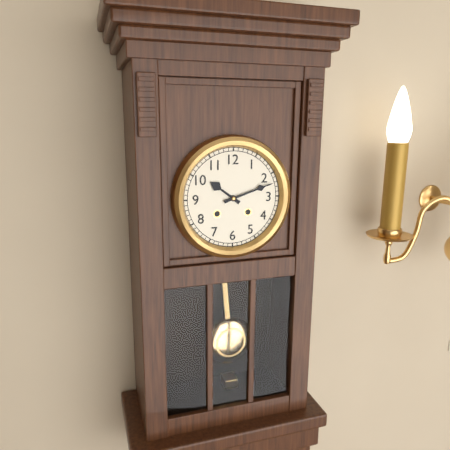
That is 10:12
